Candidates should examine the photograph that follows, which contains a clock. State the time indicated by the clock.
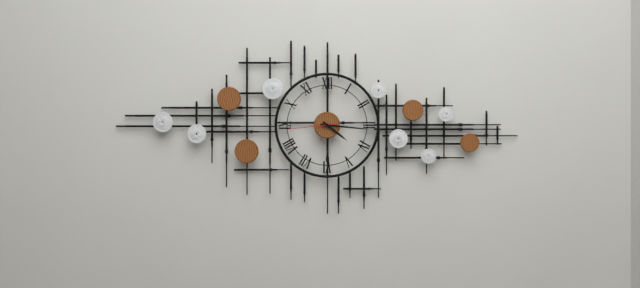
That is 4:16:44
